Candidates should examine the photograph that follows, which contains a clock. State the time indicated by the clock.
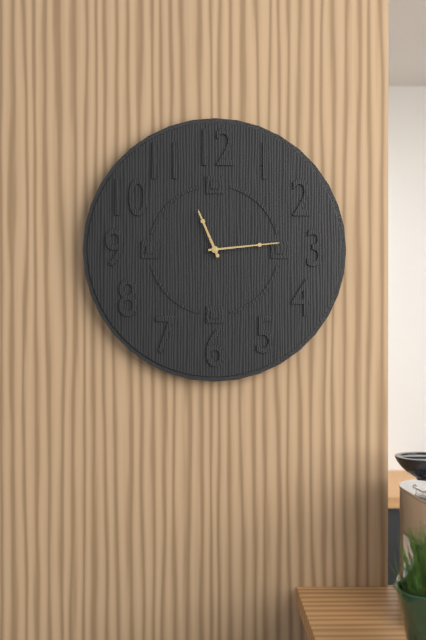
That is 11:14
